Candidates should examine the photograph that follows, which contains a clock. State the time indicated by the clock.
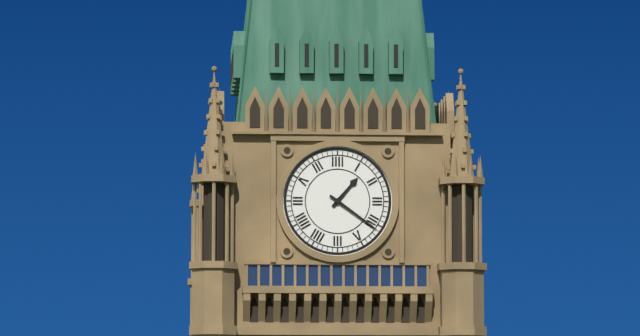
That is 1:21
